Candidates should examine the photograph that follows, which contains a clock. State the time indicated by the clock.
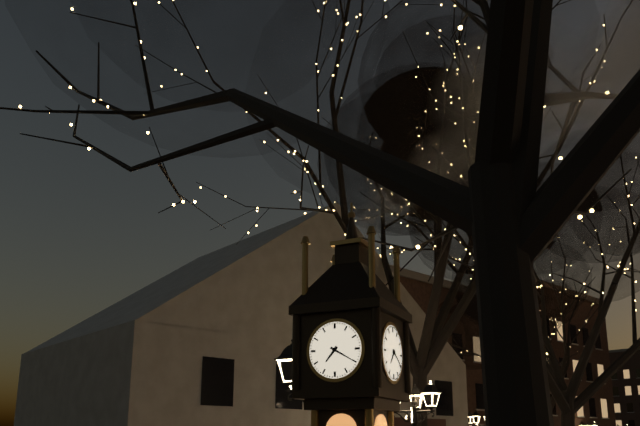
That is 7:20
